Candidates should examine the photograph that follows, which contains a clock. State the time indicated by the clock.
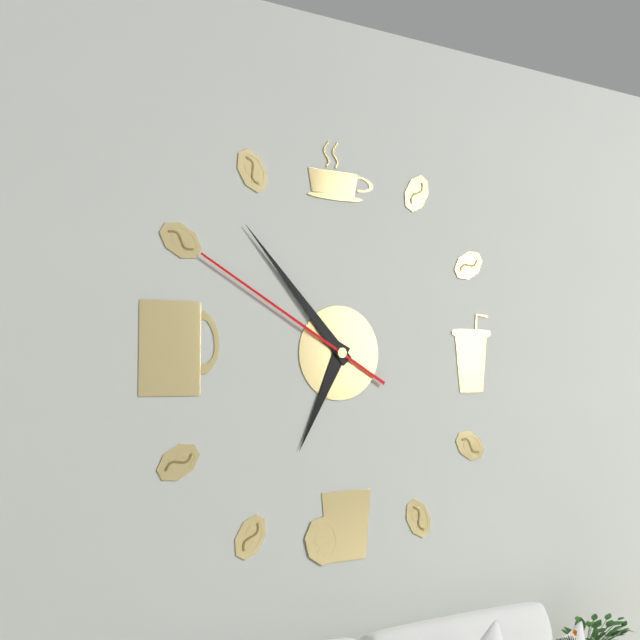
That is 6:53:50
